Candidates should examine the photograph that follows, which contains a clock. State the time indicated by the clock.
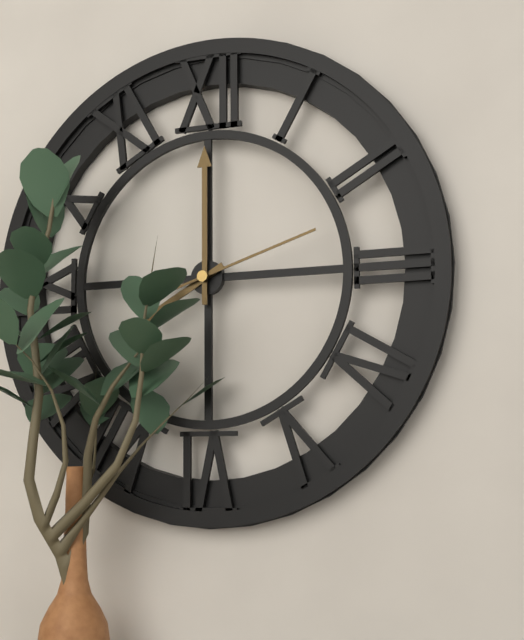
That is 8:00:12
